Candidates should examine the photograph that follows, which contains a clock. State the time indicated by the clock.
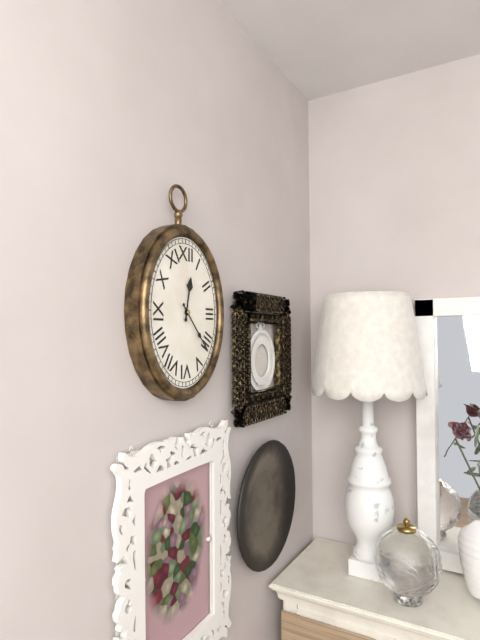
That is 12:23
